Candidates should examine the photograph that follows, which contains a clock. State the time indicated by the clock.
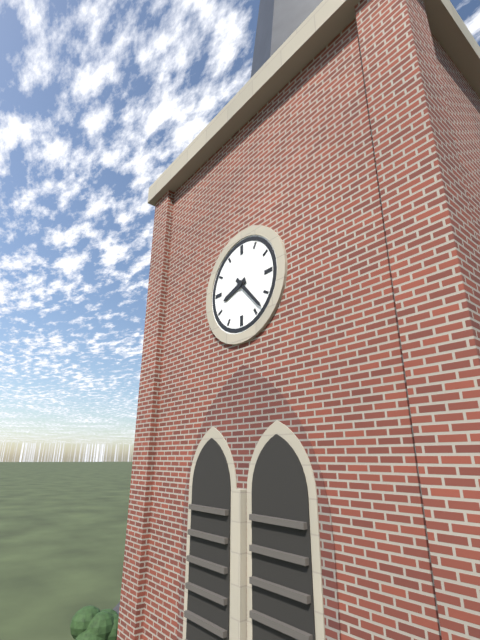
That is 8:23
